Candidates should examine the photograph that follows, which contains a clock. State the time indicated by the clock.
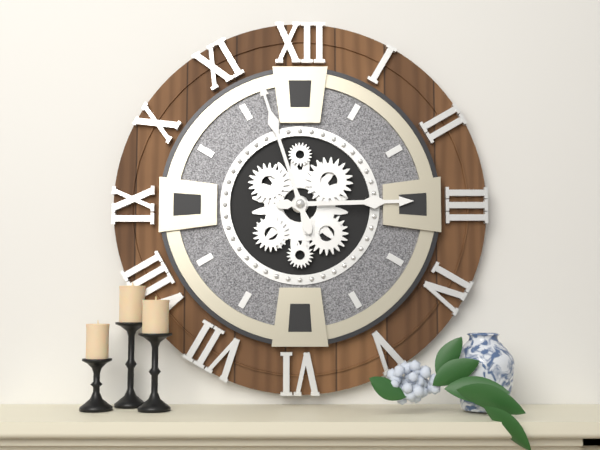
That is 2:57
